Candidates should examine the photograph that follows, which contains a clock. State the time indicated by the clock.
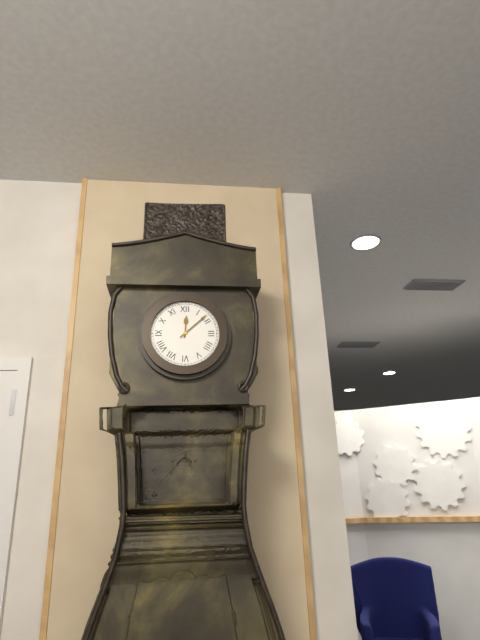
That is 12:08
